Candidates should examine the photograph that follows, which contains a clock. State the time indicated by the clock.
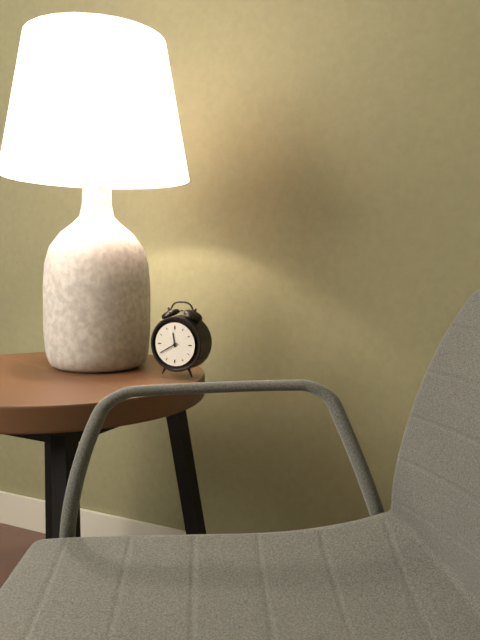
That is 11:40
